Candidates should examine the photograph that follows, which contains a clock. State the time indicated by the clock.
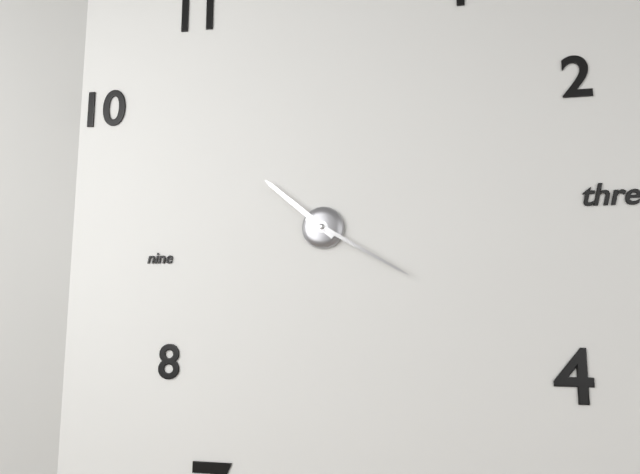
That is 10:20
